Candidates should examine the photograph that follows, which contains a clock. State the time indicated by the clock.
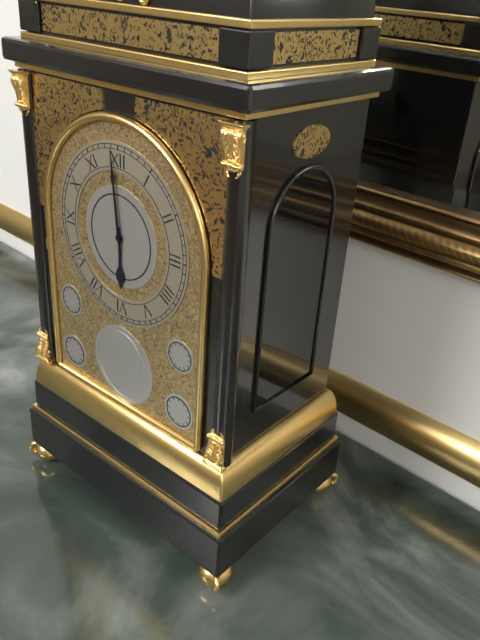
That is 5:59
